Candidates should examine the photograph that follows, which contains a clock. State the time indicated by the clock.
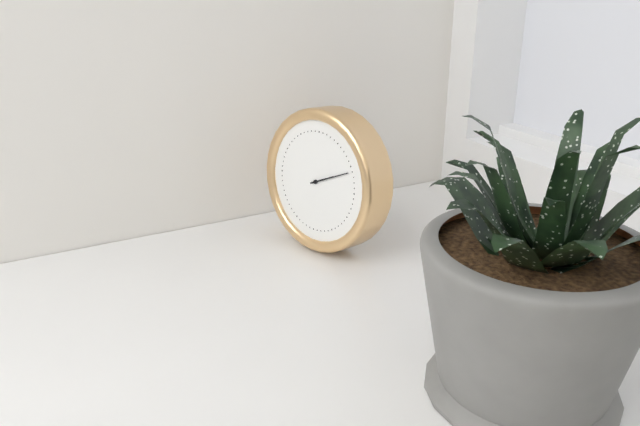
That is 2:11
